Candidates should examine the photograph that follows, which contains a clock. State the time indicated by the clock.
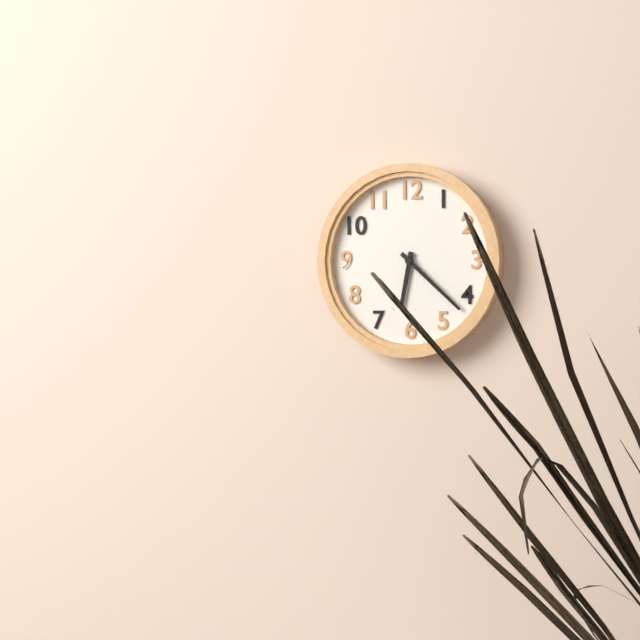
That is 6:22
